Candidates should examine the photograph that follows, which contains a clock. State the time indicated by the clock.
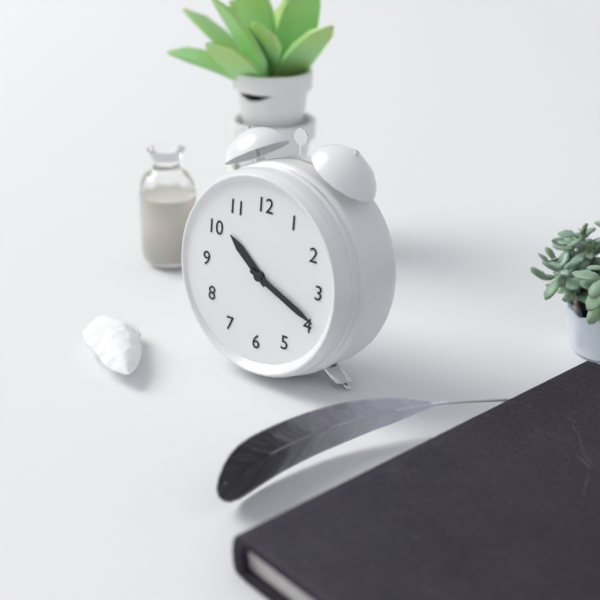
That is 10:19
